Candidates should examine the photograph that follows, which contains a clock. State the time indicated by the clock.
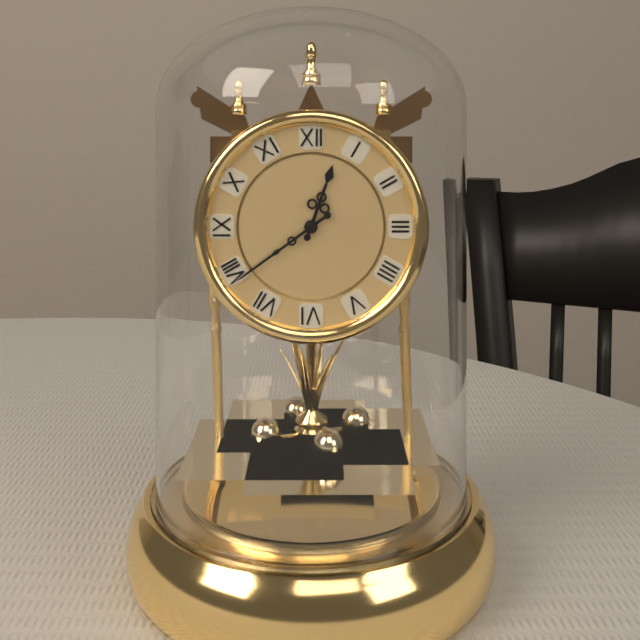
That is 12:39
